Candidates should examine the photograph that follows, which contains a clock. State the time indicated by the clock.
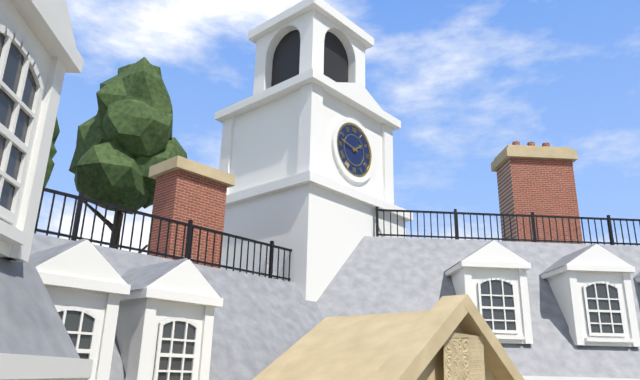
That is 1:47
